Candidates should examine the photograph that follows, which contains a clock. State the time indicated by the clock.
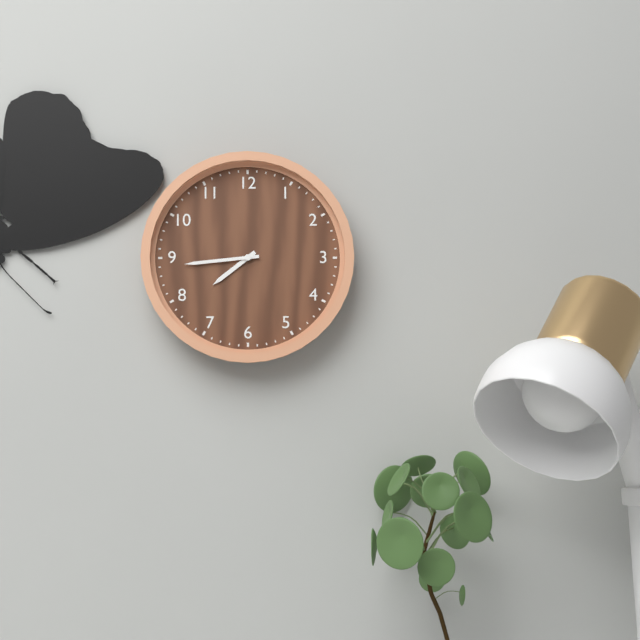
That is 7:44
